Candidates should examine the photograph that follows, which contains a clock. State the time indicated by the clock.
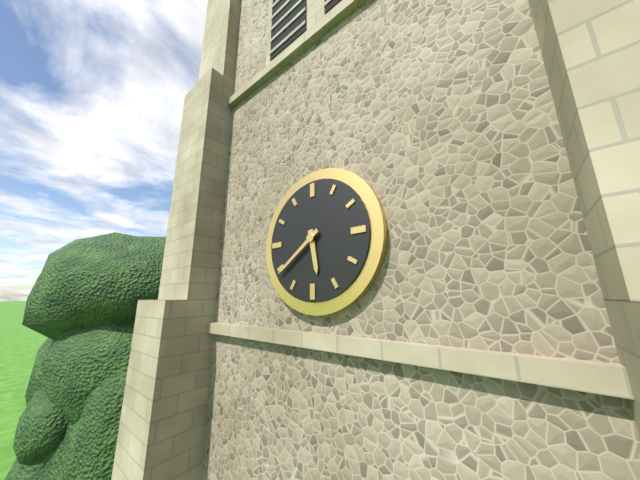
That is 5:39
